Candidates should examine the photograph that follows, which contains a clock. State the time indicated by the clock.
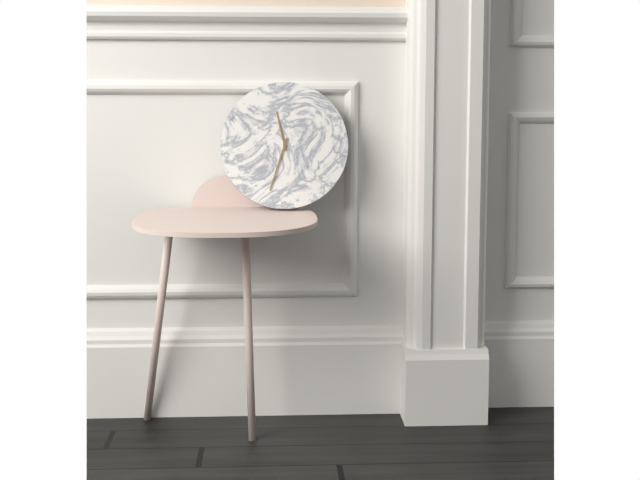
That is 11:33
